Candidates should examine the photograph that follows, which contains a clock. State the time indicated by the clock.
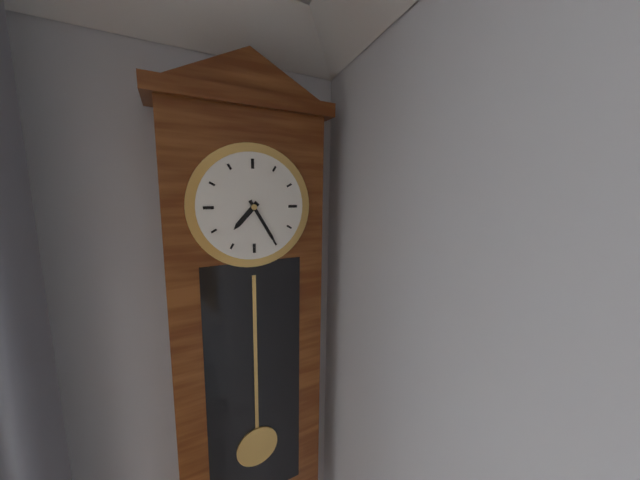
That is 7:25
